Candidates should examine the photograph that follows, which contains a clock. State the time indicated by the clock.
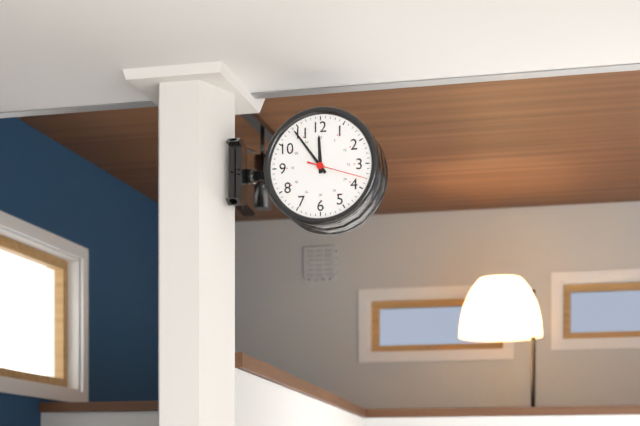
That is 11:54
